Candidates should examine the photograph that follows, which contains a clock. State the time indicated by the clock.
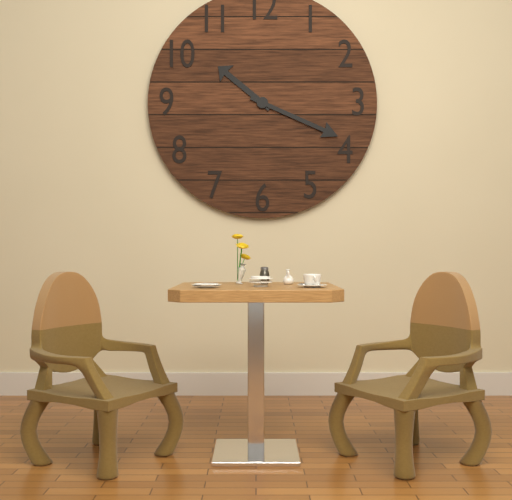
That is 10:19
